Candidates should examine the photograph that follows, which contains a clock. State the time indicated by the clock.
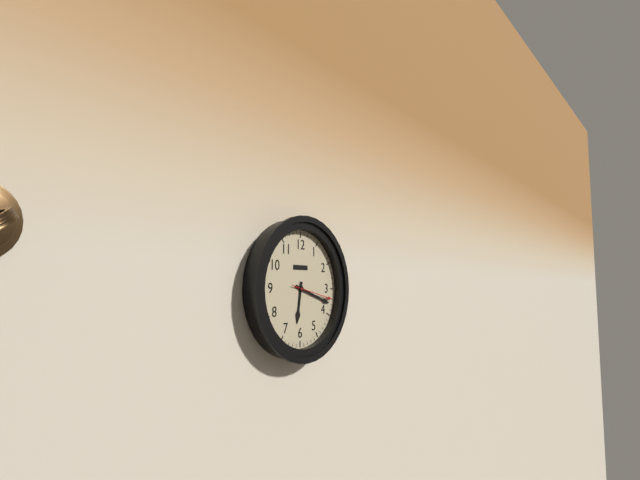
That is 6:18
